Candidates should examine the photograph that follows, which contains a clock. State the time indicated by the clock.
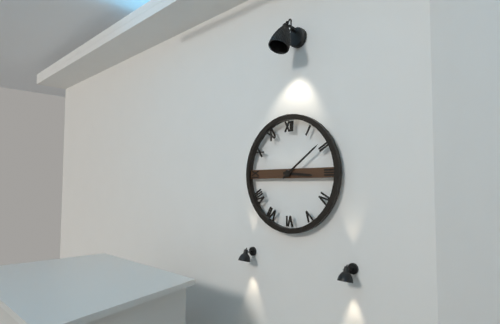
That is 3:09
